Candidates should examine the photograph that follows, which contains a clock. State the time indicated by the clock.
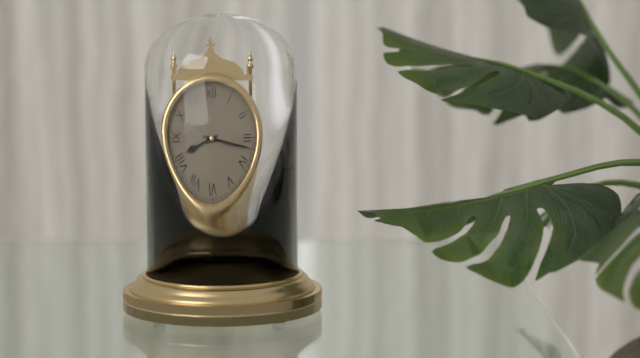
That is 8:17
